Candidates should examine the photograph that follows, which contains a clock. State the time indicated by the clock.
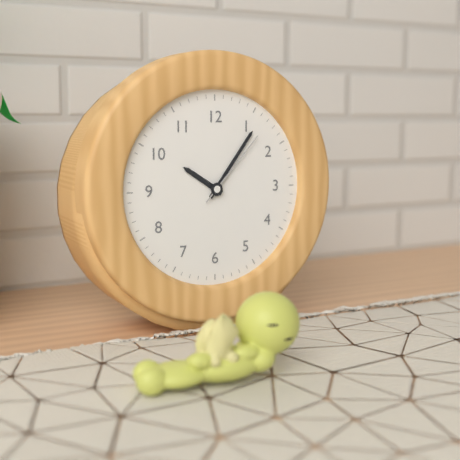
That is 10:06:07
